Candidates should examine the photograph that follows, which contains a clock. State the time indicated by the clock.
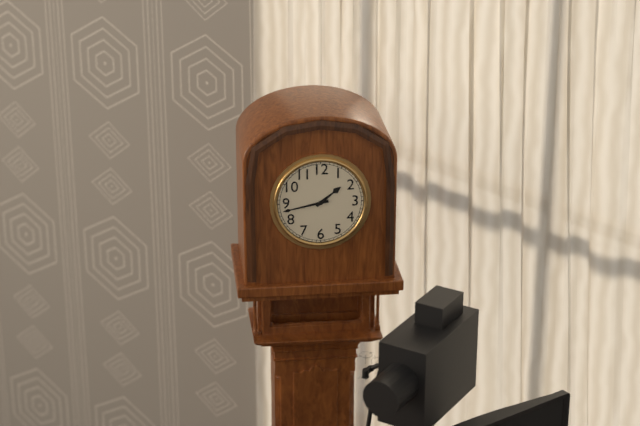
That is 1:43
